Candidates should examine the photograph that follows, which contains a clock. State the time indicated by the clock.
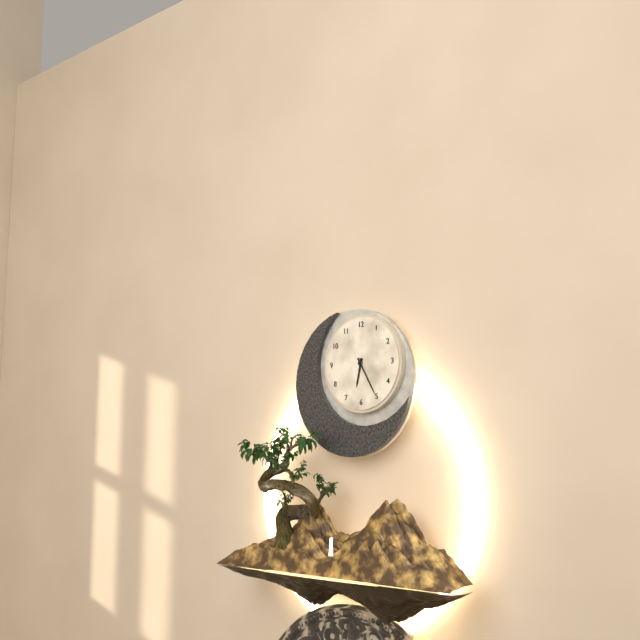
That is 6:25
